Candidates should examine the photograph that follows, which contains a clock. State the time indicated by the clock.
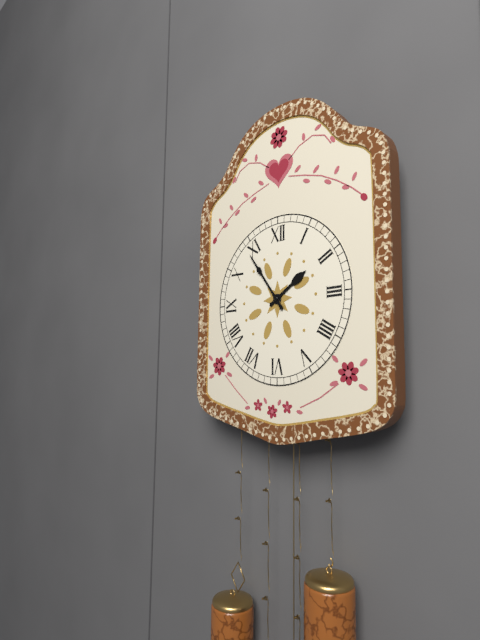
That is 1:54
